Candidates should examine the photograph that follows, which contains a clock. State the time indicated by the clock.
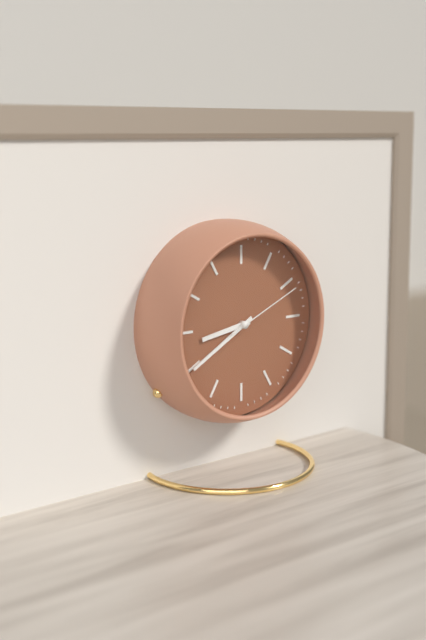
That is 8:40:11
